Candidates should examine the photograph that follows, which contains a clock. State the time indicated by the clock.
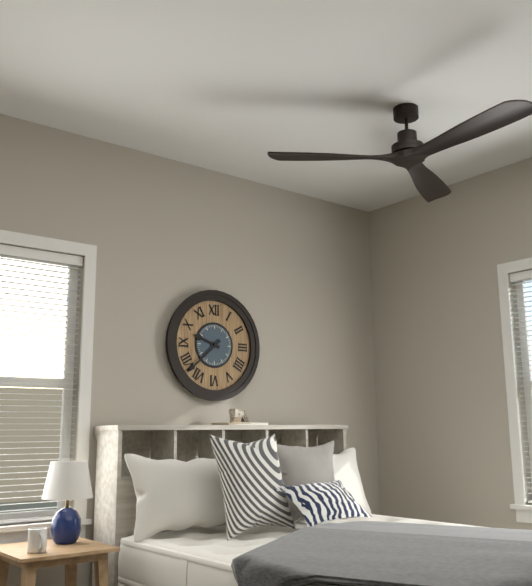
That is 9:38
